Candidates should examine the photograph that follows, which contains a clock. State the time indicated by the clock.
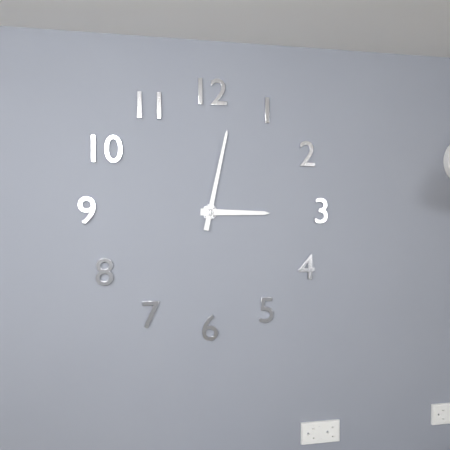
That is 3:02
